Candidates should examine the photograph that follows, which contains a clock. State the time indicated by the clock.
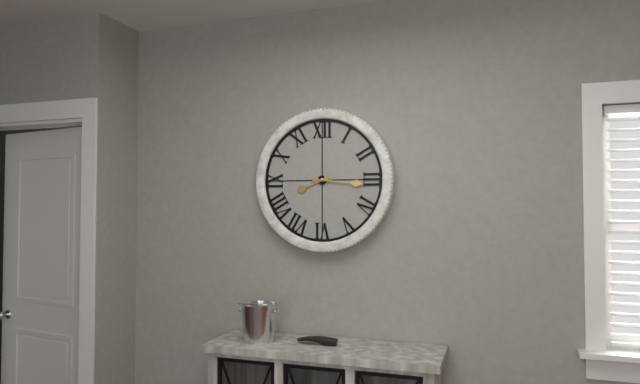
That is 8:16
